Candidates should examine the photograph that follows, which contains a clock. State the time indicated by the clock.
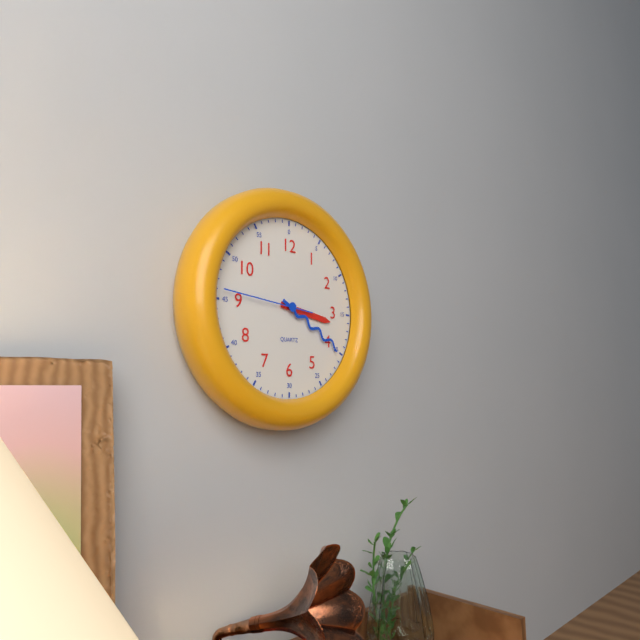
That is 3:20:46
